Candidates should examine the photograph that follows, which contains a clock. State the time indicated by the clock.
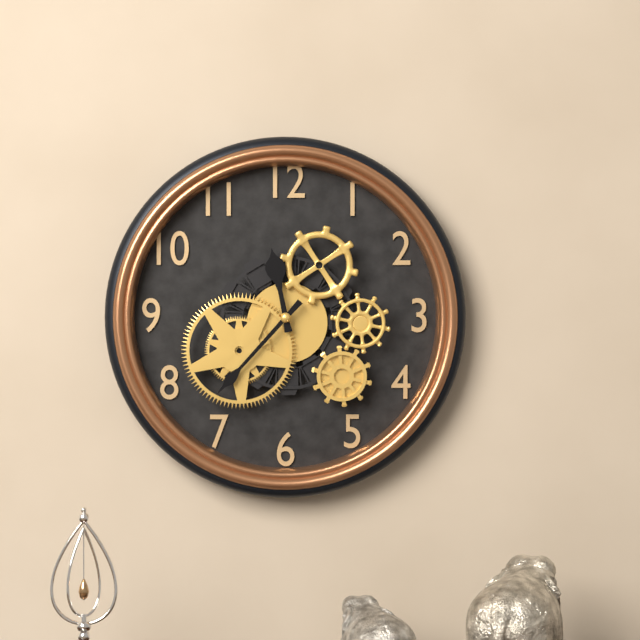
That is 11:37
